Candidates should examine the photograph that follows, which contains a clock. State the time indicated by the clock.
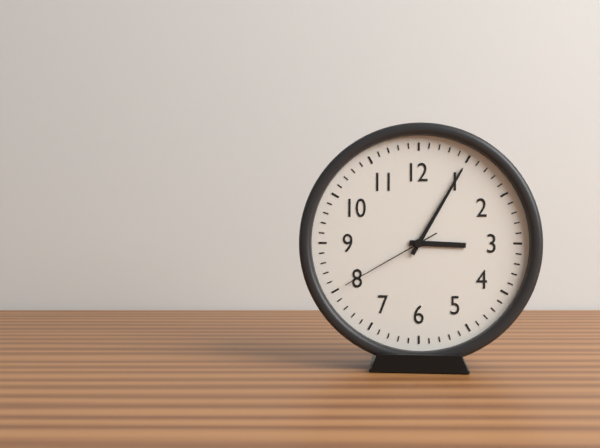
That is 3:05:40
